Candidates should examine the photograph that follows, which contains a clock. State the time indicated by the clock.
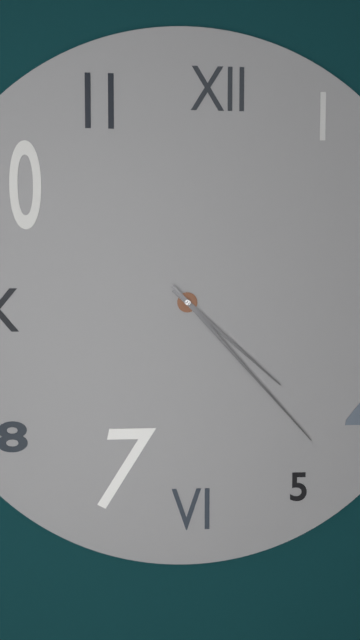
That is 4:23
